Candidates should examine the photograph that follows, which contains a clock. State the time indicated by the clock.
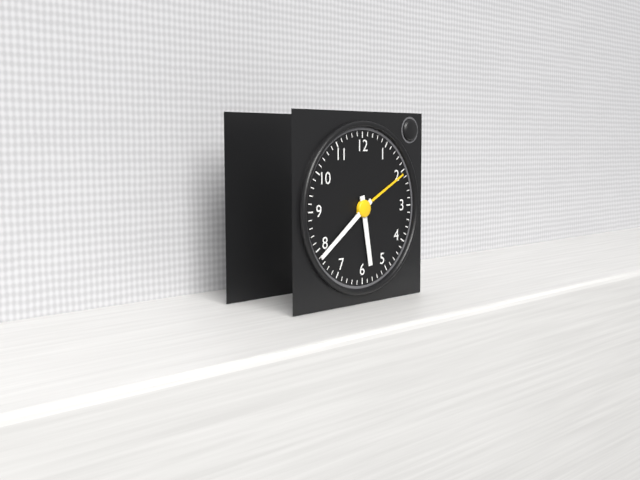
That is 5:39
